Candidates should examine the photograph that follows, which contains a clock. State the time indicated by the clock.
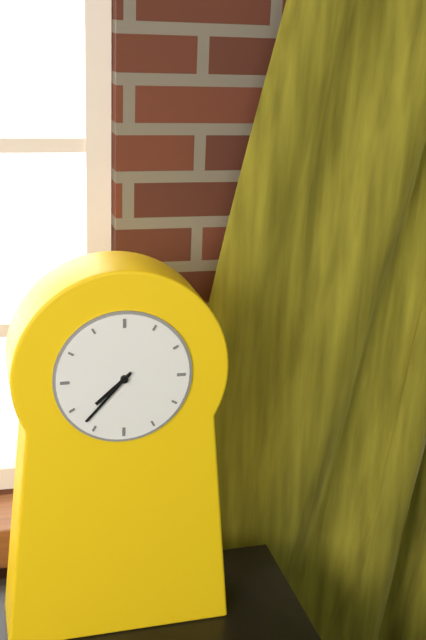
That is 7:37
